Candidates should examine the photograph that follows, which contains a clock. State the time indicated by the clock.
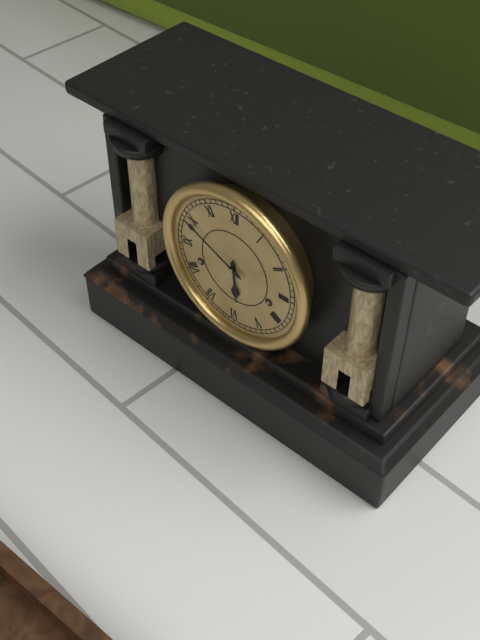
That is 5:49
